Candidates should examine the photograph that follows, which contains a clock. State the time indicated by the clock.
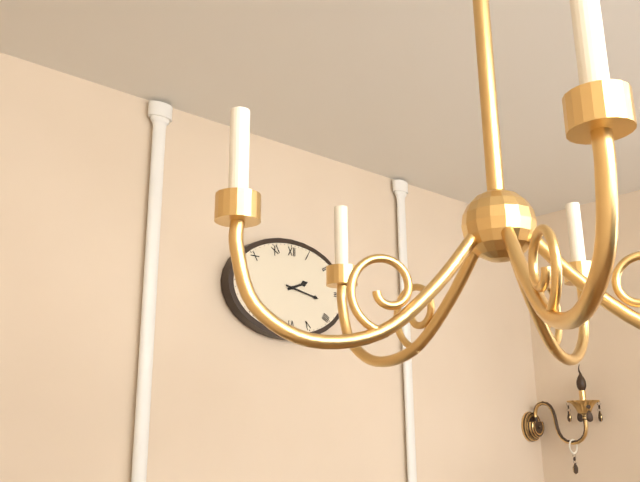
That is 2:17
